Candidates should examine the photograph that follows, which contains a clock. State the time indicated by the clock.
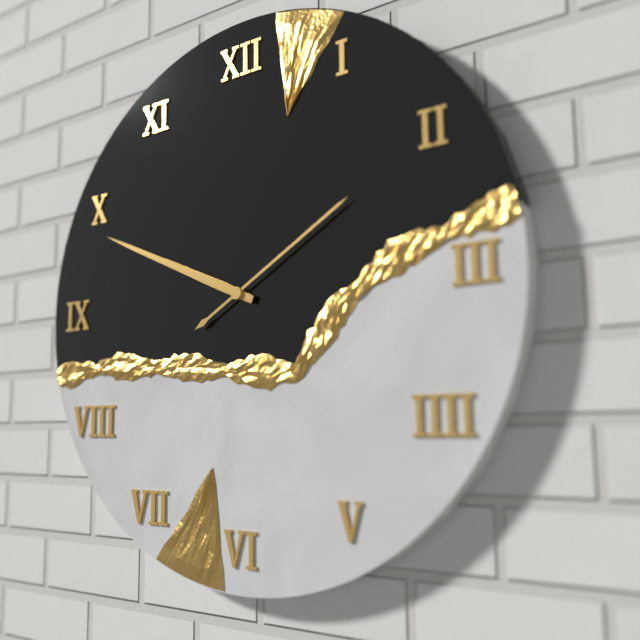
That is 9:49:10
